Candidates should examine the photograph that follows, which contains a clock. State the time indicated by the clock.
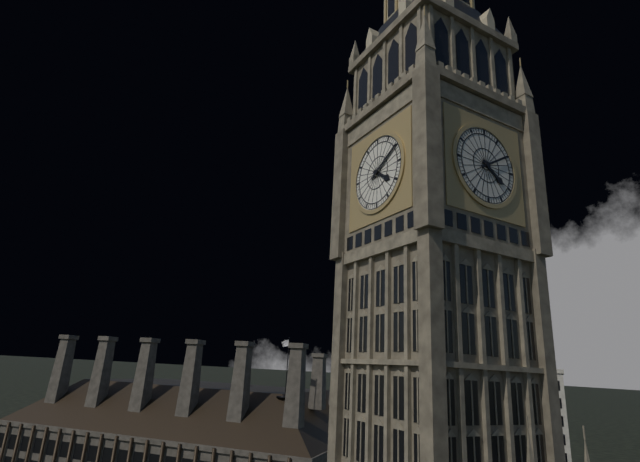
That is 4:10
